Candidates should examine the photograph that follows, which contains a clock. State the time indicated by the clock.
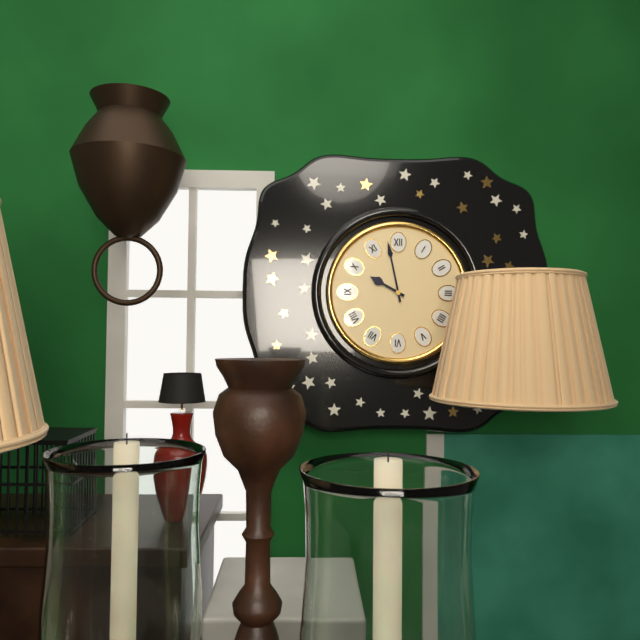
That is 9:58
